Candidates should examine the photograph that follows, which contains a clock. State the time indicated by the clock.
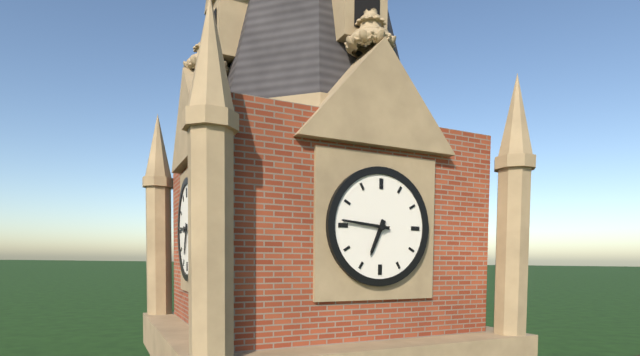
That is 6:46
